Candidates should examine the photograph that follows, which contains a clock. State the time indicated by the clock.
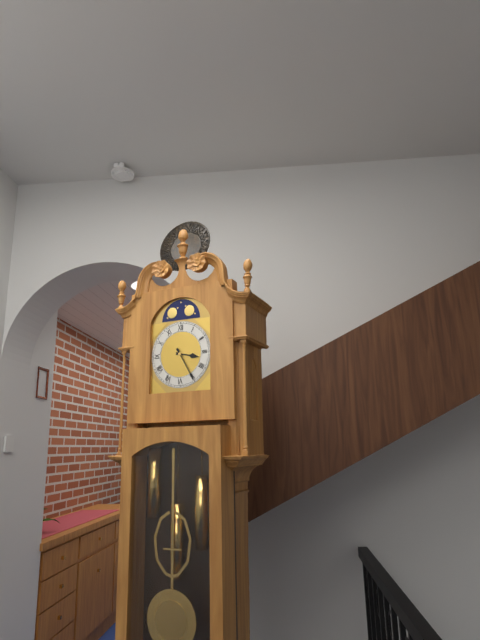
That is 3:25
